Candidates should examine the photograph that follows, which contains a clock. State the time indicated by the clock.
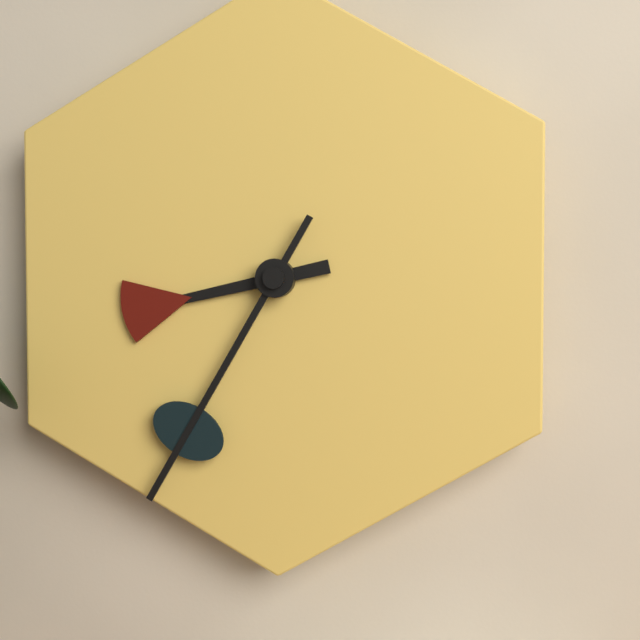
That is 8:35
